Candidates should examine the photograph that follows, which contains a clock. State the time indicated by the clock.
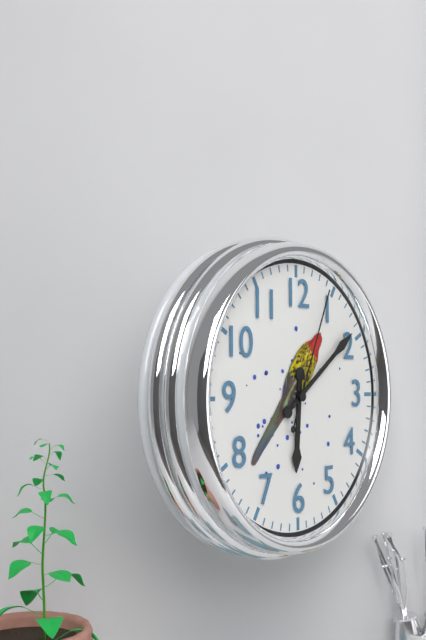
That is 6:09:04
